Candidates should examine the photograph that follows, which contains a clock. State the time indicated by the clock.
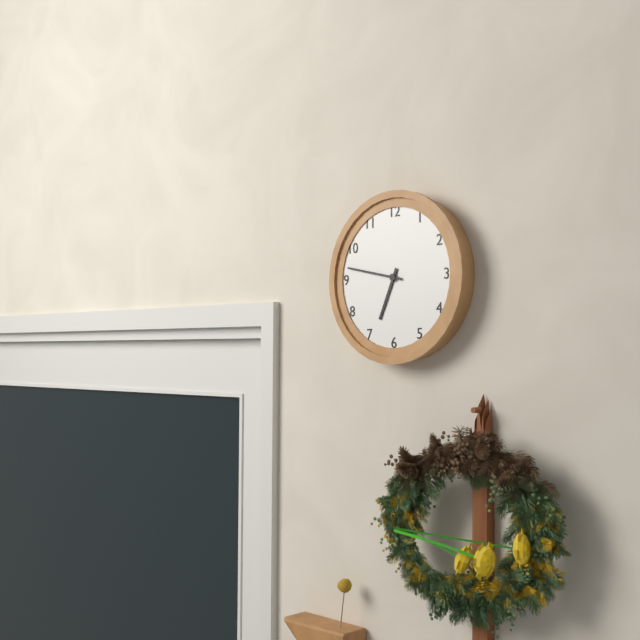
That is 6:47
